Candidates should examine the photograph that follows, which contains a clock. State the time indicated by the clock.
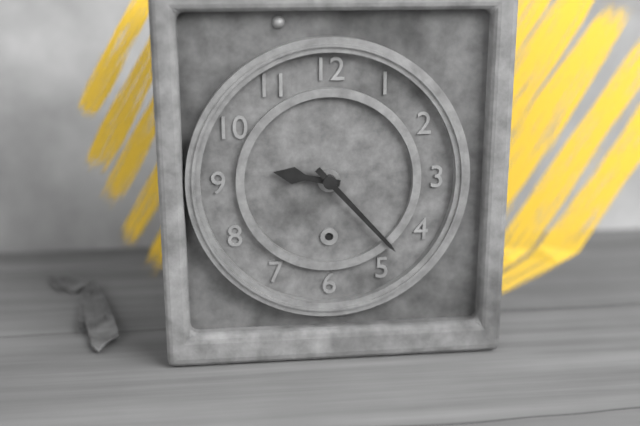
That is 9:23
